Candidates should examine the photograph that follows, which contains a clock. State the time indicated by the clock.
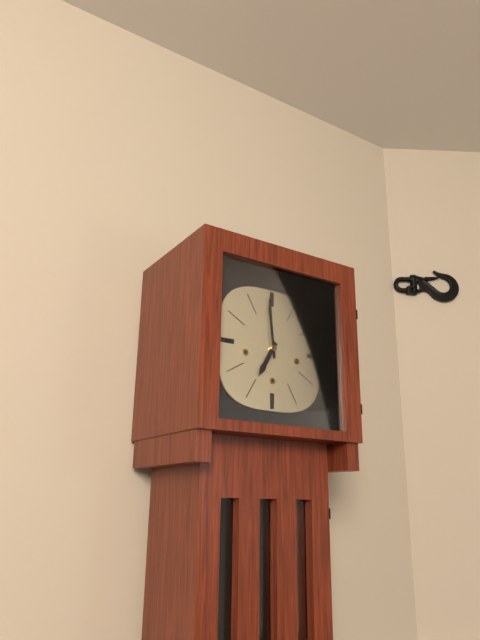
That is 6:59
